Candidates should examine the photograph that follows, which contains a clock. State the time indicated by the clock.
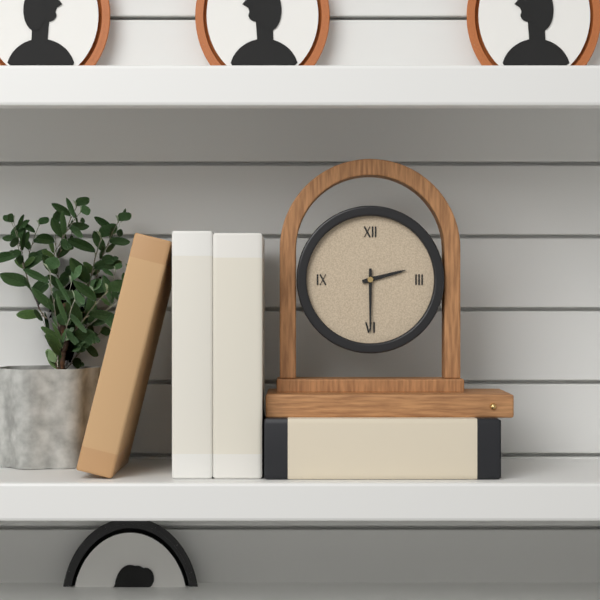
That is 2:30
